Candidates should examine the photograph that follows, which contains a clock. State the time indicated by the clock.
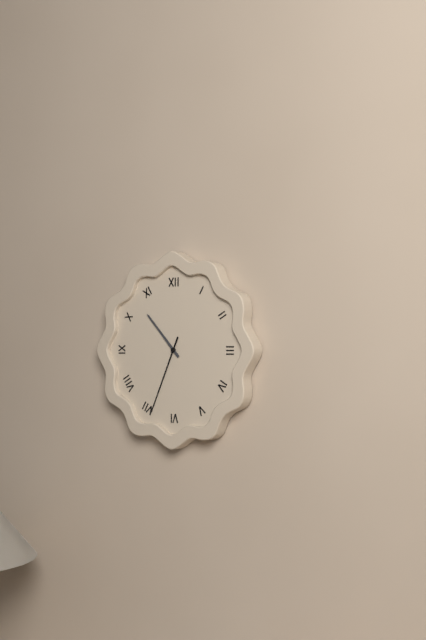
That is 10:34
